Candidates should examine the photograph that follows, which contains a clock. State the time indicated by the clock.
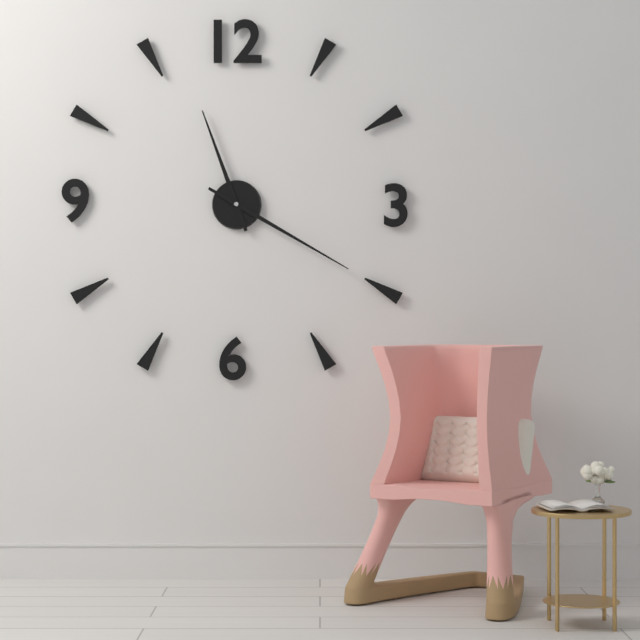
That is 11:20
